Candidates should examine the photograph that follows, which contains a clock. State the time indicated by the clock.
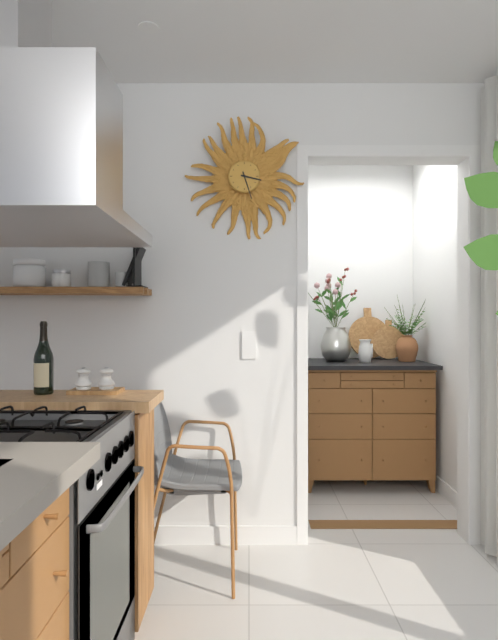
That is 3:27
